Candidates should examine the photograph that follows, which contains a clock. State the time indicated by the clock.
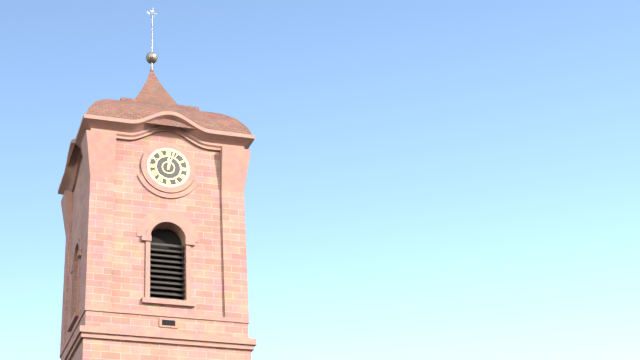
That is 12:03
